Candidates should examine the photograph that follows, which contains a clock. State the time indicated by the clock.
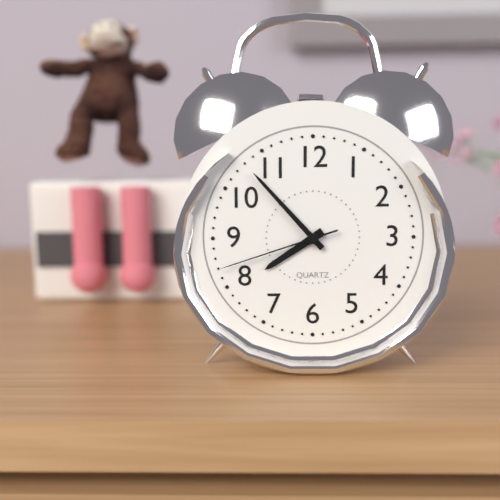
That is 7:53:42
